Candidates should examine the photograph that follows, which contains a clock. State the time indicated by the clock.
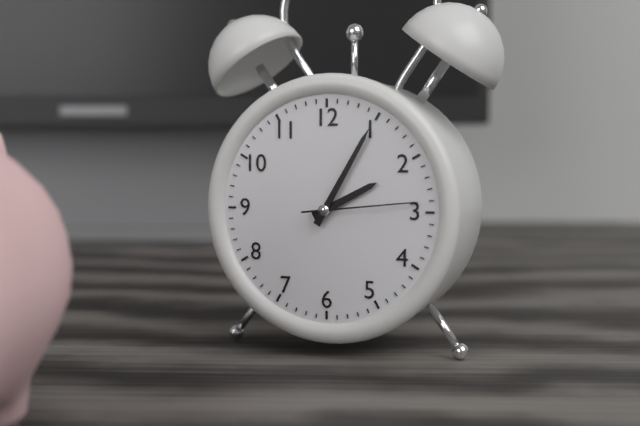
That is 2:05:14
